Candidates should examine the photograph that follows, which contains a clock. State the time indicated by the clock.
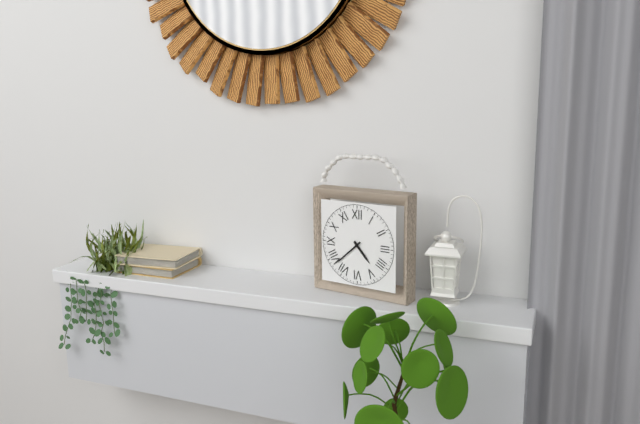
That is 4:38
